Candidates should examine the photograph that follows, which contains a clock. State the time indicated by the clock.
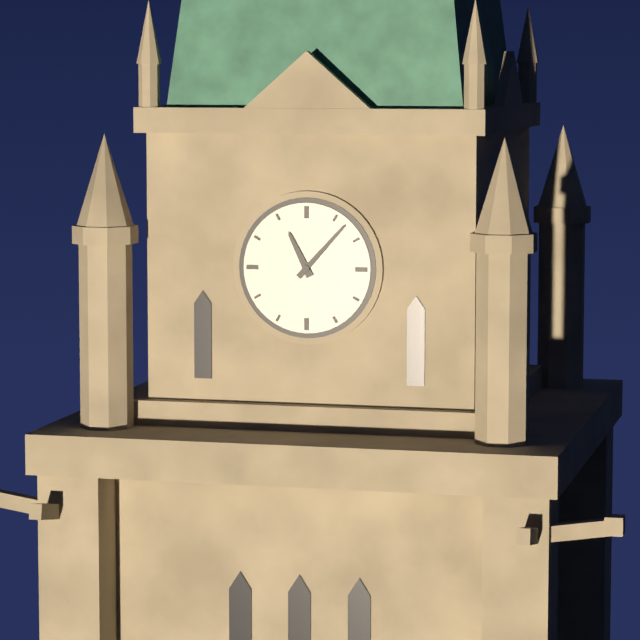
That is 11:07
